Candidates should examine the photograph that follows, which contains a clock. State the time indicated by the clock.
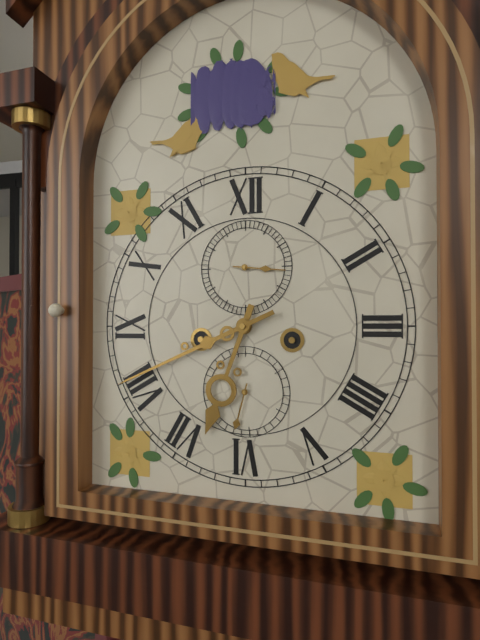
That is 6:41:16
